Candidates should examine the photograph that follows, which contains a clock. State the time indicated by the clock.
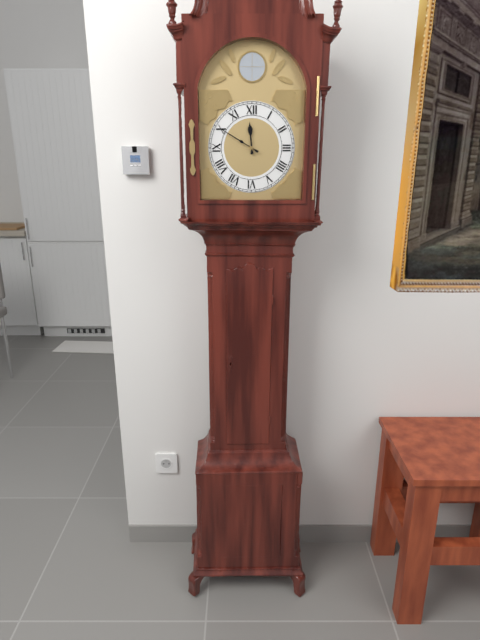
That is 11:50
